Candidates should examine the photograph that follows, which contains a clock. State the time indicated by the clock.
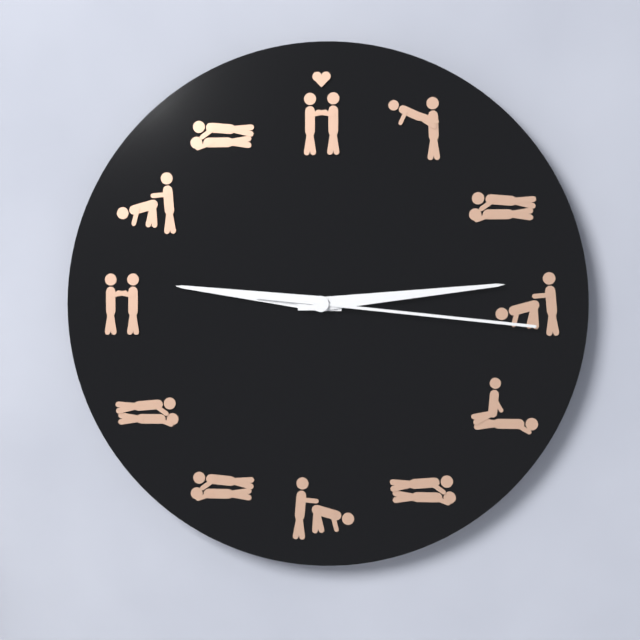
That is 9:14:16
